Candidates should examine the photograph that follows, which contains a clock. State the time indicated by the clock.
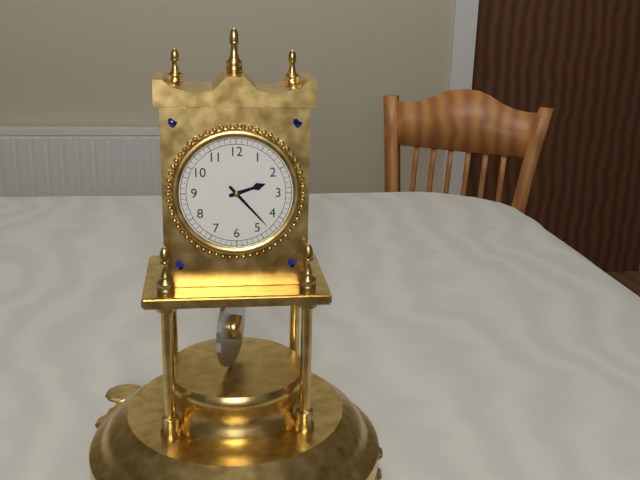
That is 2:23
